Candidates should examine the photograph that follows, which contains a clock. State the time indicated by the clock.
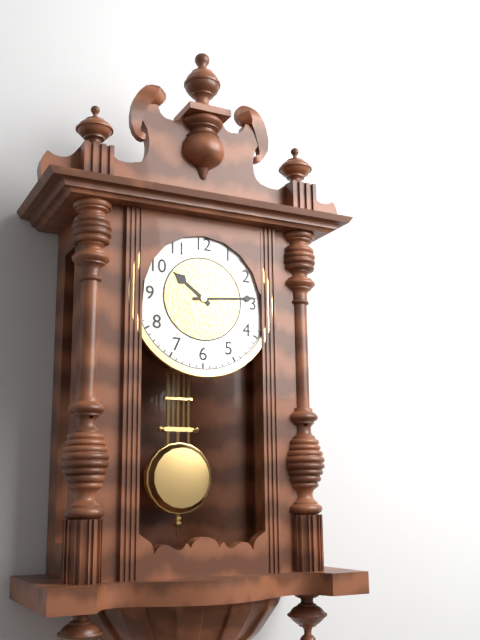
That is 10:14
